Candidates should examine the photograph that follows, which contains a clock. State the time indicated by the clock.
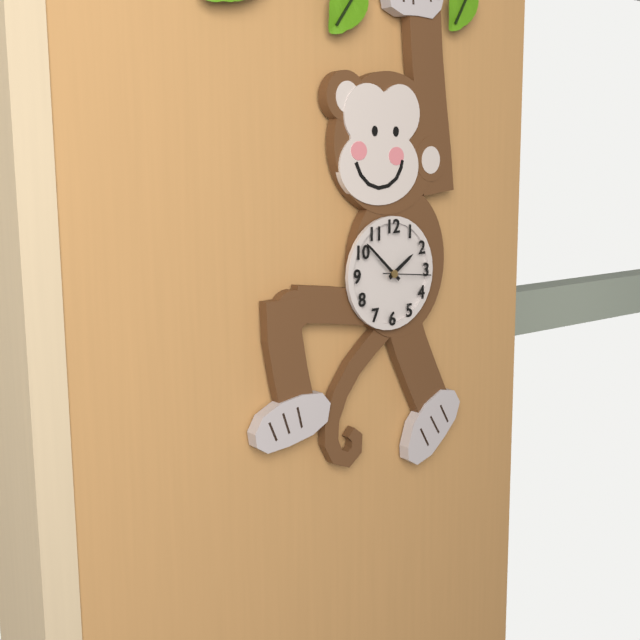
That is 1:52:16
